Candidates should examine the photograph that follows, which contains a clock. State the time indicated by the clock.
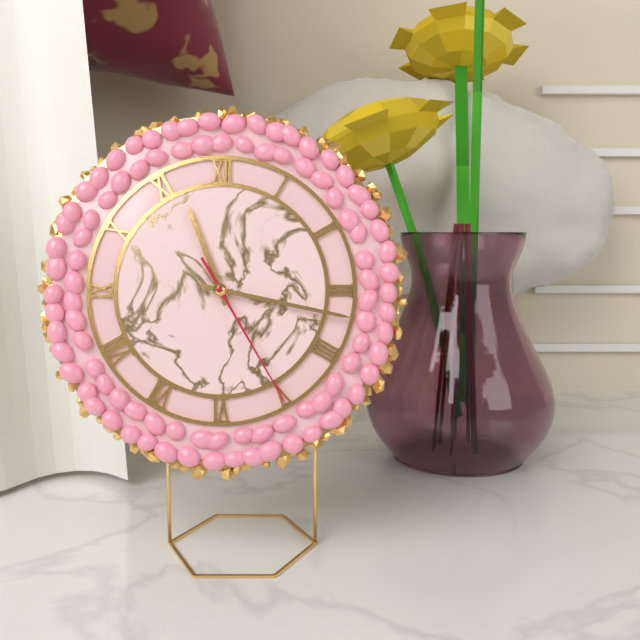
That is 11:17:25
